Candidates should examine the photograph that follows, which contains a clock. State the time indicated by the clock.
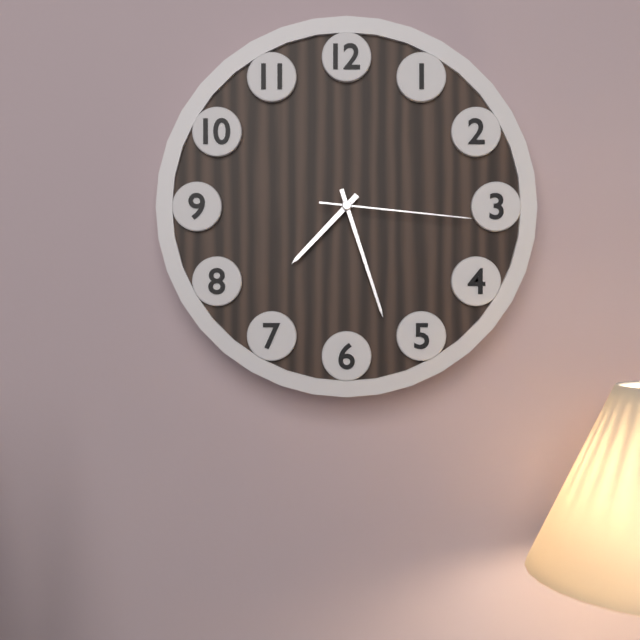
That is 7:27:16
